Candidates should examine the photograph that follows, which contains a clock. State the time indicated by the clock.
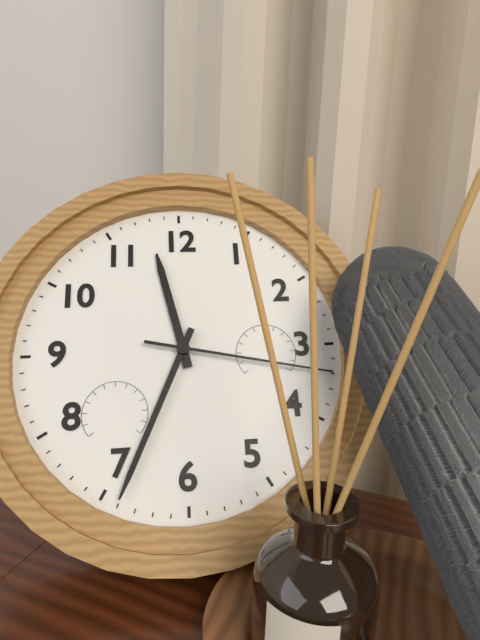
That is 11:34:17
